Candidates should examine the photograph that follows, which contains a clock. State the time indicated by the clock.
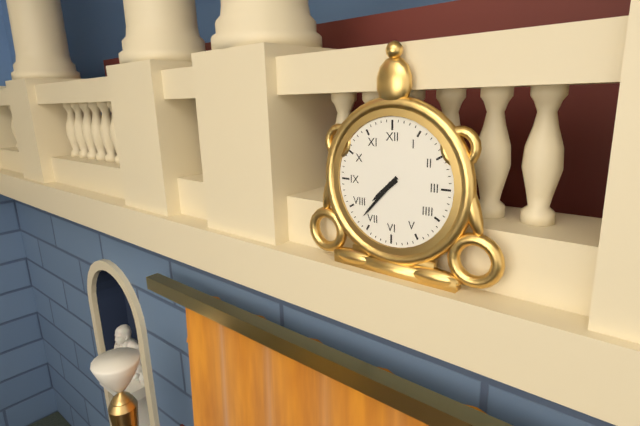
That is 7:37
